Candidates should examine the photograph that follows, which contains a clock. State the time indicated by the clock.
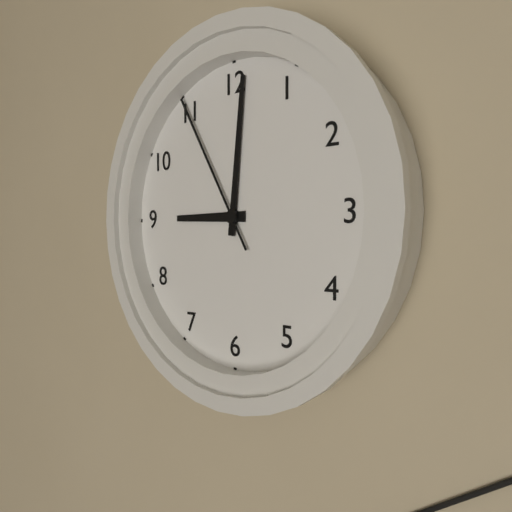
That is 9:01:55
